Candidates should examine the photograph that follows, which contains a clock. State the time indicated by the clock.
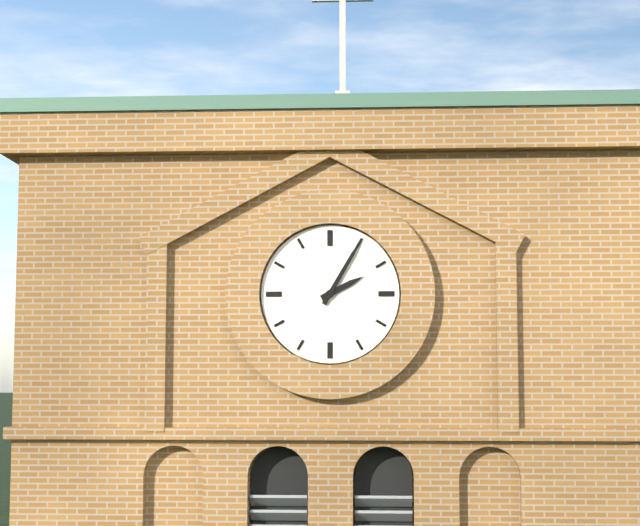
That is 2:05
